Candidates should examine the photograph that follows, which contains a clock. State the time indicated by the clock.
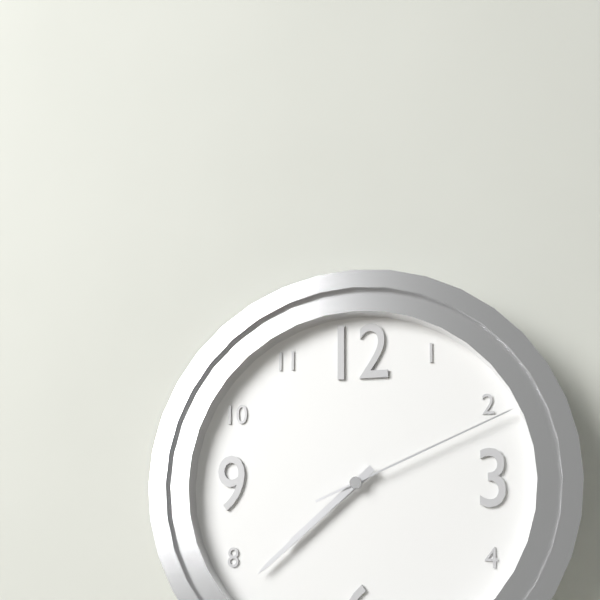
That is 7:38:11
